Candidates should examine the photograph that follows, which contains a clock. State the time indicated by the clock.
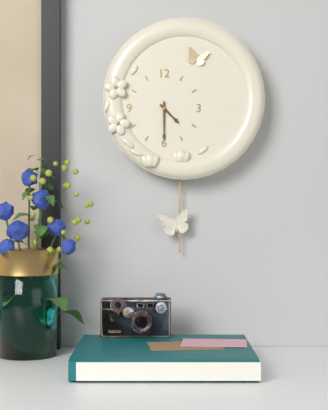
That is 4:30
